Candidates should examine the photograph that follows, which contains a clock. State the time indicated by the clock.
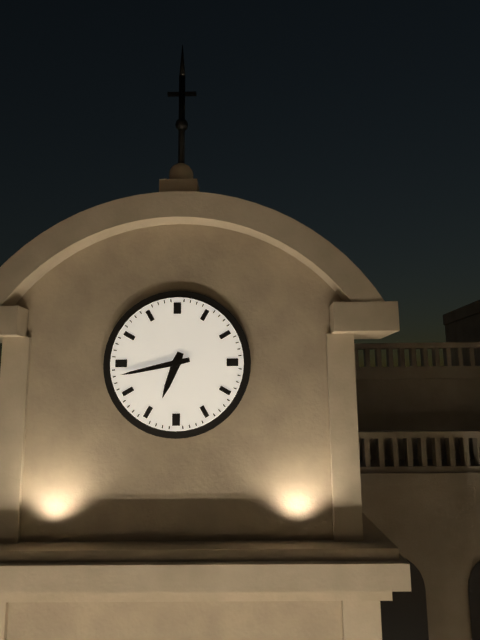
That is 6:43
